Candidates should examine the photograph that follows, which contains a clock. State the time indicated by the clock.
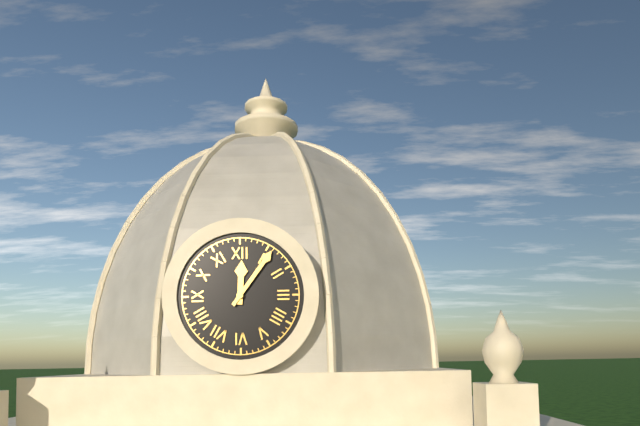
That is 12:06
